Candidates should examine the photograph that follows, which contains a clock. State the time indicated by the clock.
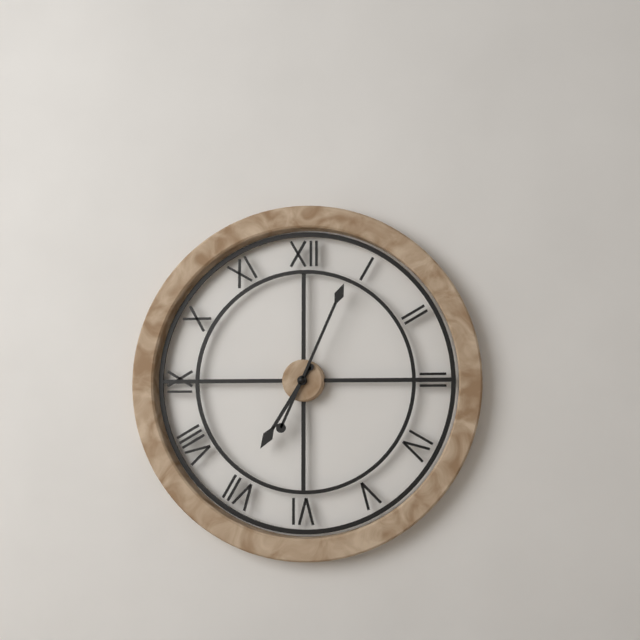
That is 7:04
